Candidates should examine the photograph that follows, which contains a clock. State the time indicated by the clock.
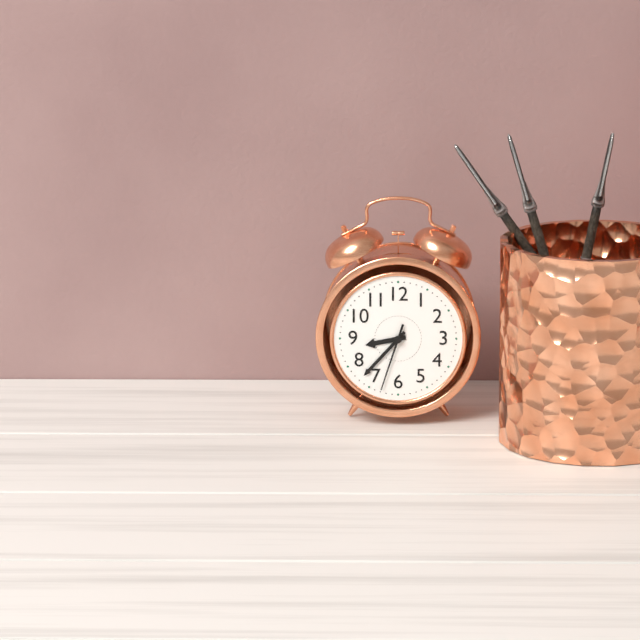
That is 8:37:33
